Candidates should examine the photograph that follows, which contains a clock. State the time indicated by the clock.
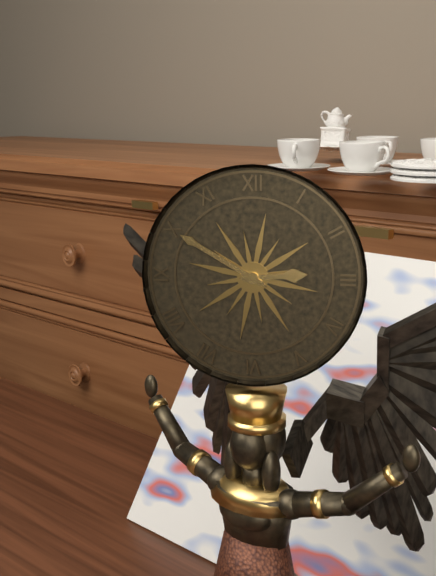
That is 2:50
